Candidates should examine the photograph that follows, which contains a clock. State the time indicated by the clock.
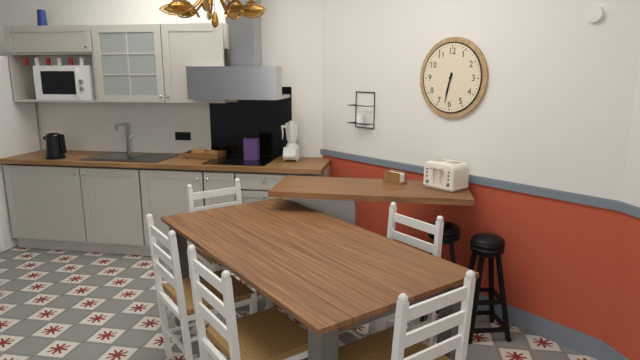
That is 6:32
